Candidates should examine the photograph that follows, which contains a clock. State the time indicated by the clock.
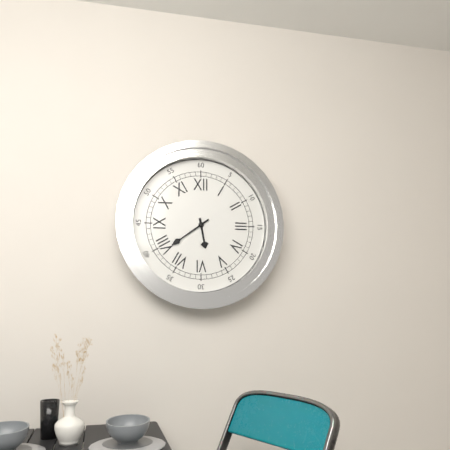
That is 5:39
